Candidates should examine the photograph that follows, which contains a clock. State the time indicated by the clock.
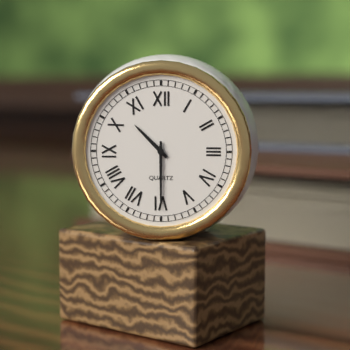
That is 10:30
